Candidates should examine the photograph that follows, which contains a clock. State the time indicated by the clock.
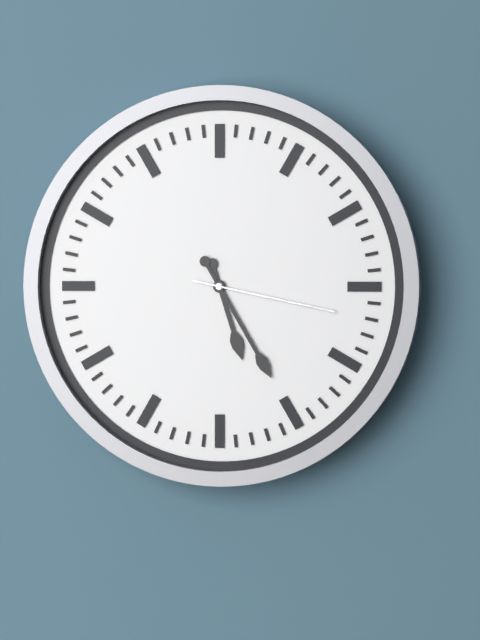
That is 5:25:17
